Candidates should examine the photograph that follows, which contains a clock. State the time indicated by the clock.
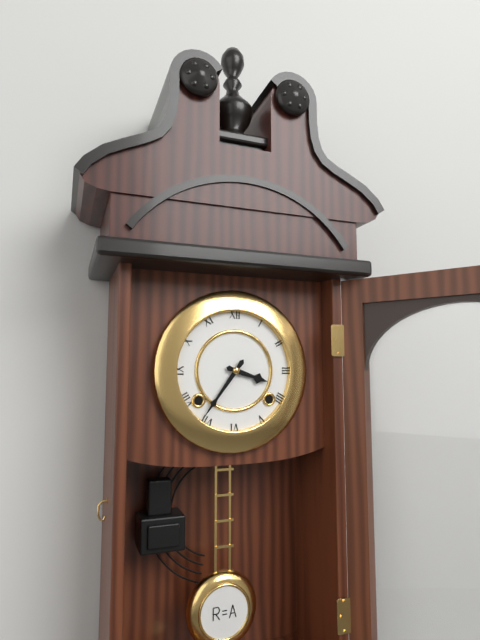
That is 3:36
